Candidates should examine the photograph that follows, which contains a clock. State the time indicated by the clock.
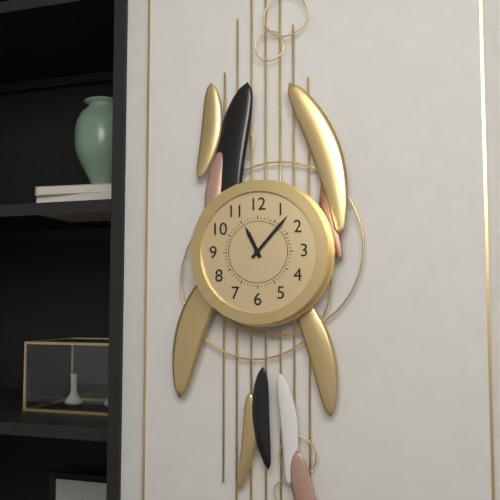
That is 11:07
